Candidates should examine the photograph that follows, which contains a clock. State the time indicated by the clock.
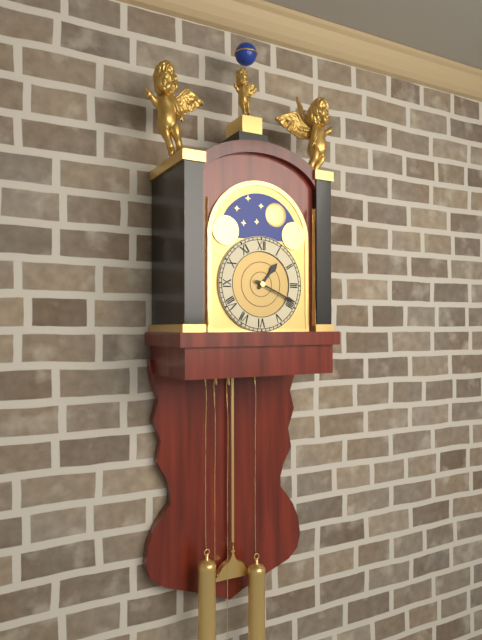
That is 1:19
